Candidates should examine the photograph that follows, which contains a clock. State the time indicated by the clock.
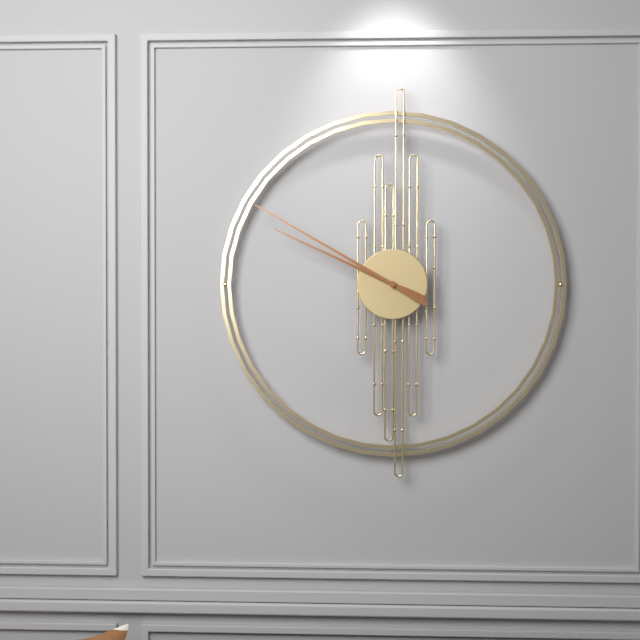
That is 9:50
